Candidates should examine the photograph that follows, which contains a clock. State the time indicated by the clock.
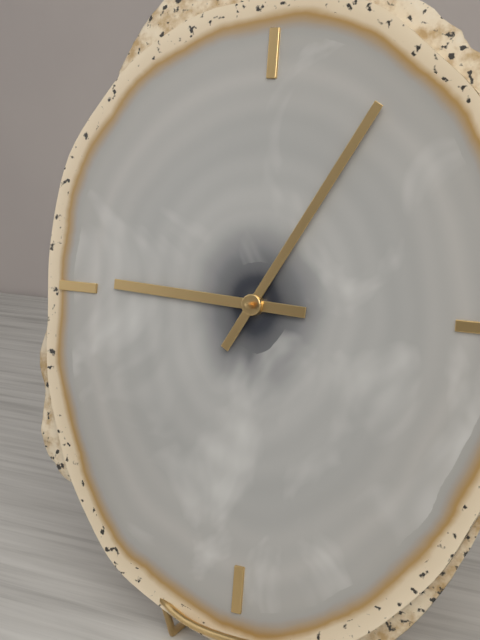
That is 9:05
